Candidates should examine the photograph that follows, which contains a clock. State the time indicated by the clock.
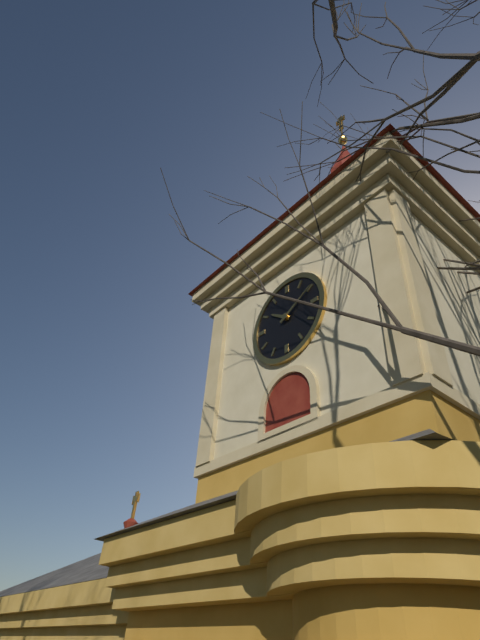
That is 10:10
